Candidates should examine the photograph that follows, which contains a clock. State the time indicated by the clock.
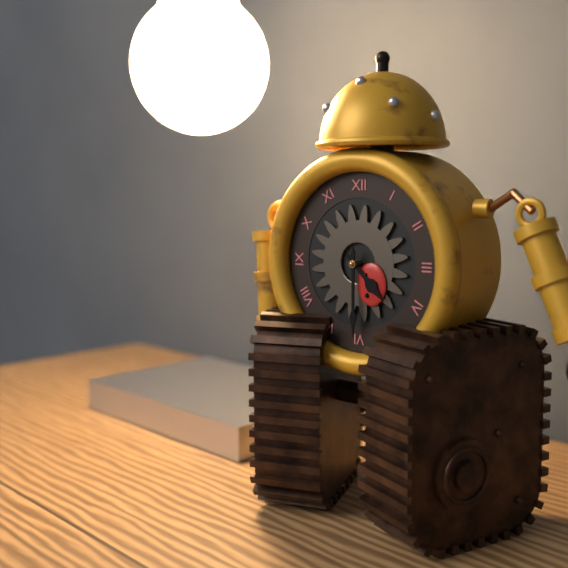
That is 4:30
